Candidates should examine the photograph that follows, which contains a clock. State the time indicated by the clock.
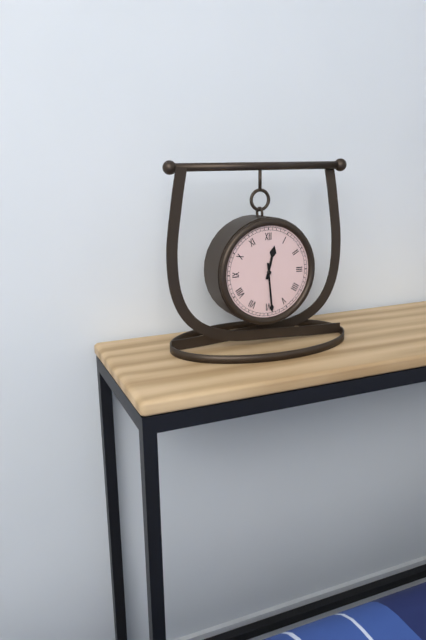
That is 12:29
